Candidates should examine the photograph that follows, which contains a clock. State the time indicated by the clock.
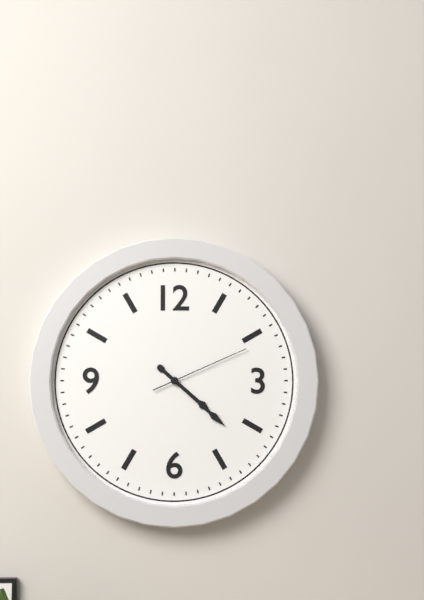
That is 4:22:11
